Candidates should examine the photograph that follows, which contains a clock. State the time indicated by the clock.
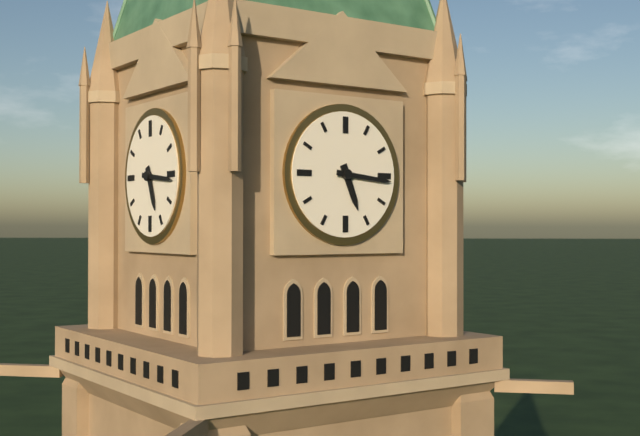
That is 5:16
